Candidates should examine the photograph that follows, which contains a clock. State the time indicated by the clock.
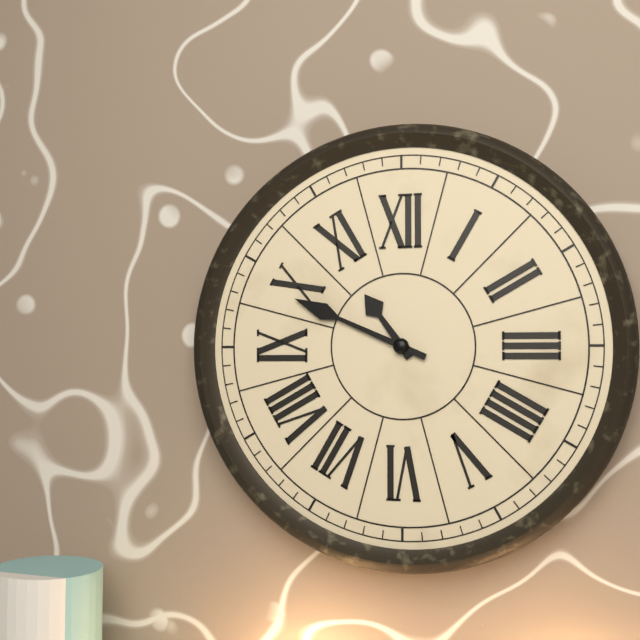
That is 10:49
